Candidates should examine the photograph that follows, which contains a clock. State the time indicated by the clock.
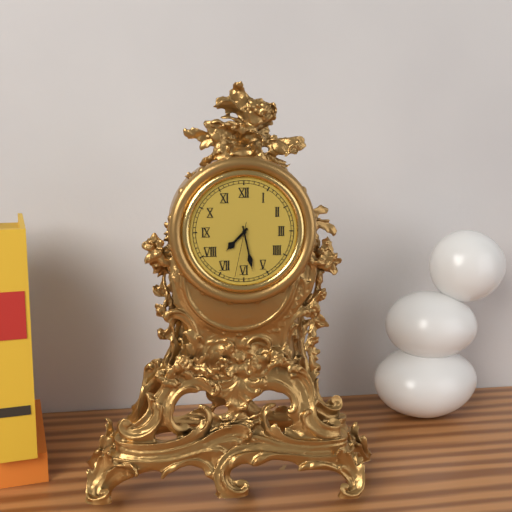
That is 7:28:32
